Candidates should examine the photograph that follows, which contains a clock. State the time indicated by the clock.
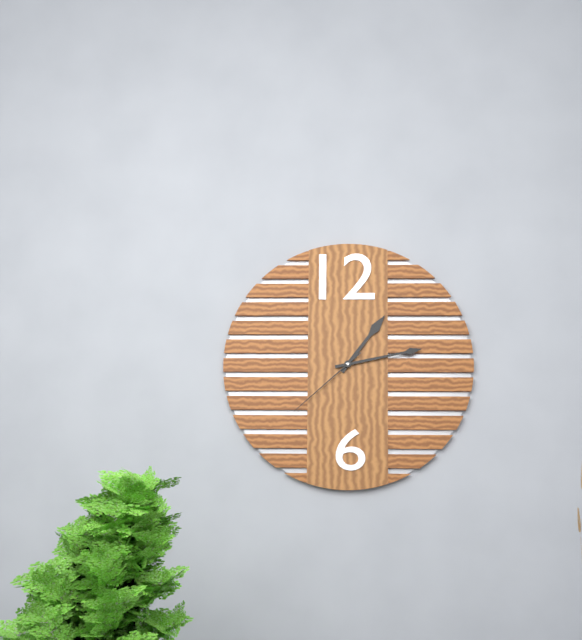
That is 1:13:38
